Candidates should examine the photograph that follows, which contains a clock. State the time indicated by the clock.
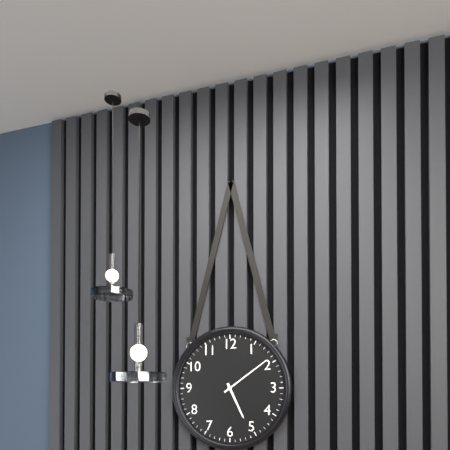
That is 5:09
